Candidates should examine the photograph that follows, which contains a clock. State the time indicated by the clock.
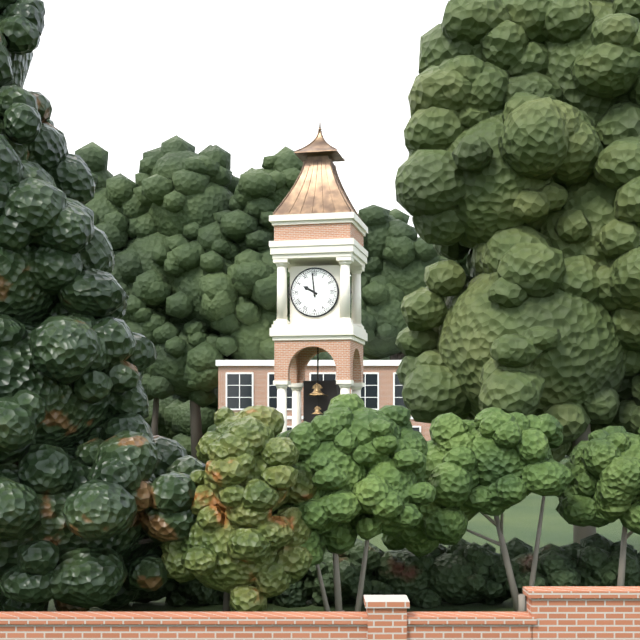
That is 9:59
